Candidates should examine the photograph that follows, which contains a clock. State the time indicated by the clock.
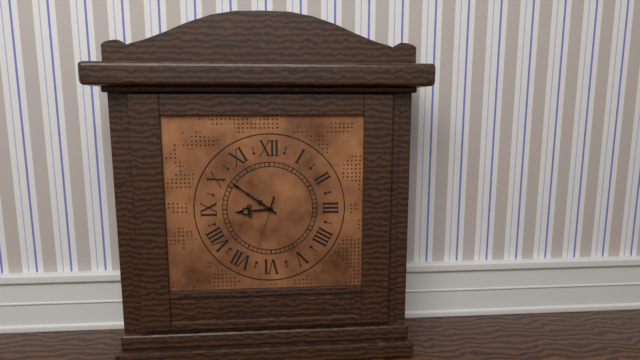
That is 8:51:33
